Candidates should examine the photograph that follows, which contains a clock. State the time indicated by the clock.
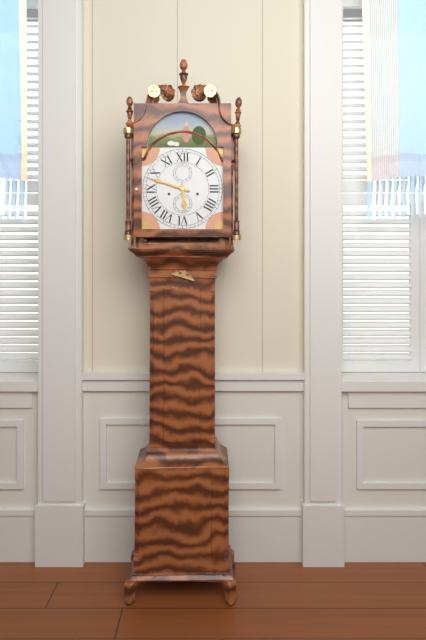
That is 5:48
